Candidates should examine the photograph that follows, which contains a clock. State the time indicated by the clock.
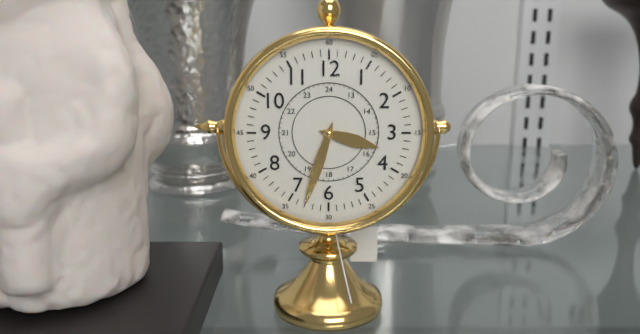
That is 3:33
